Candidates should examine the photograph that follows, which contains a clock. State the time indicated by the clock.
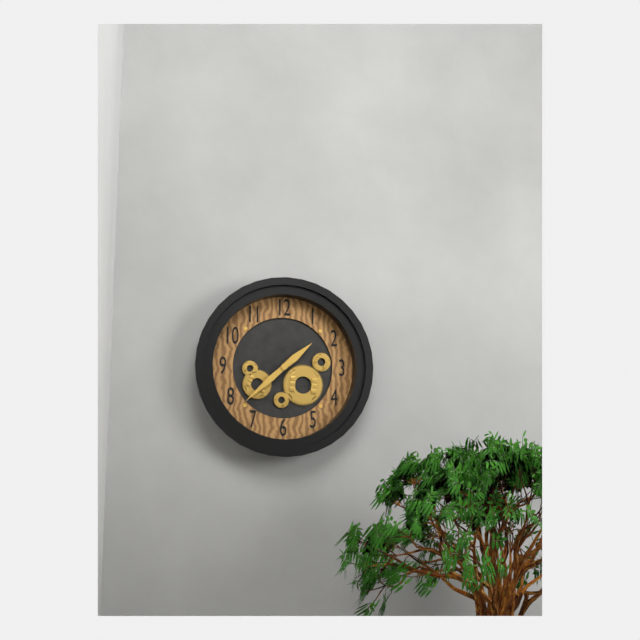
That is 1:38
